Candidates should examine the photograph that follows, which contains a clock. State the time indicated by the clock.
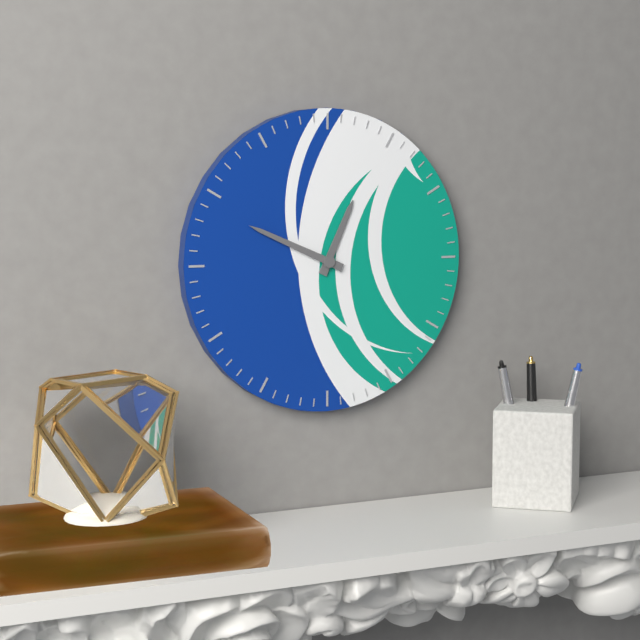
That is 12:49
